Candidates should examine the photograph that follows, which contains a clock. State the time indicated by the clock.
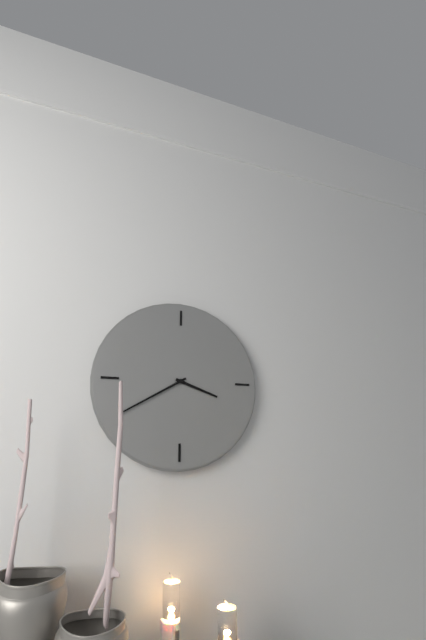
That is 3:40
